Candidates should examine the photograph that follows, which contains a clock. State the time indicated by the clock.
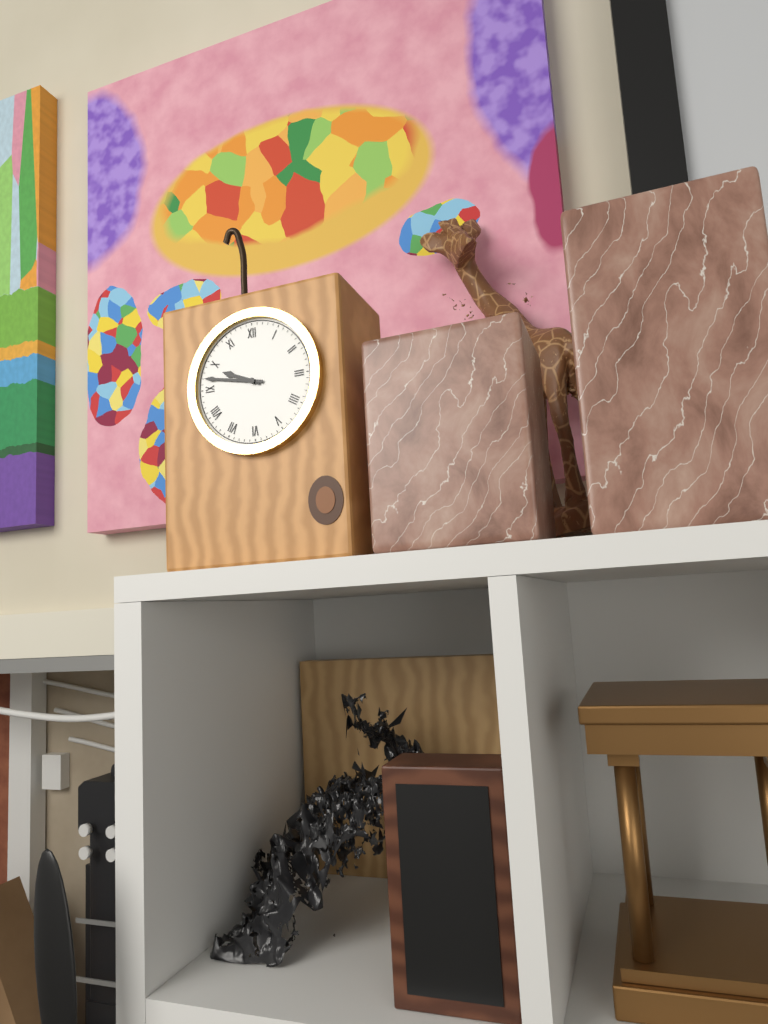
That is 9:47
